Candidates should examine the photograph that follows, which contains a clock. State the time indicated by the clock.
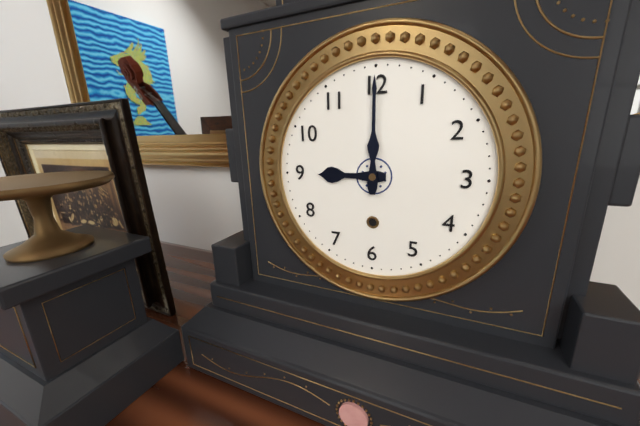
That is 9:00
